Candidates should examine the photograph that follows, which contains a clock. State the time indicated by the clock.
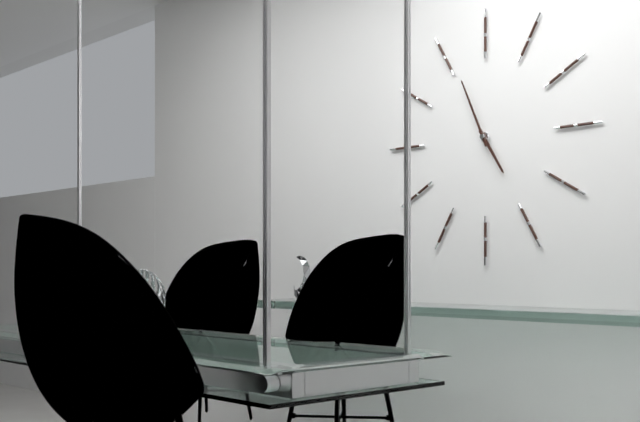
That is 4:56
